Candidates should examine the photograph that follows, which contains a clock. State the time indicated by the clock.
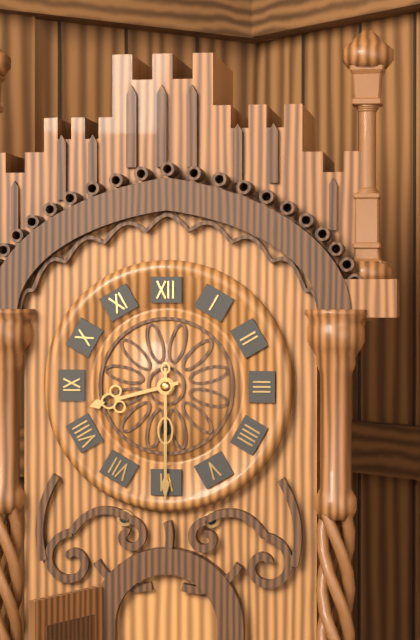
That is 8:30
